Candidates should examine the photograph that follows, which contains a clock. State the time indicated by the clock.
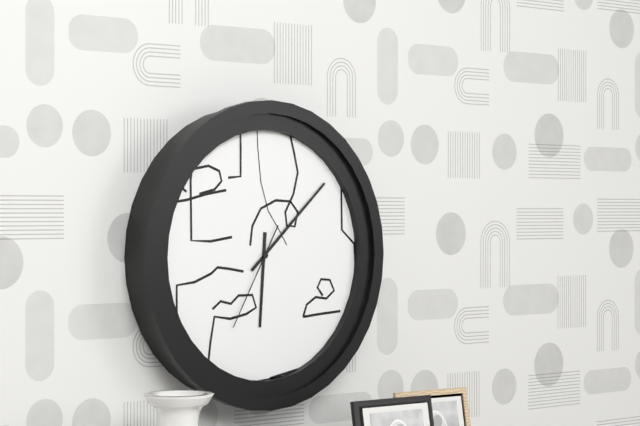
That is 6:08:35
